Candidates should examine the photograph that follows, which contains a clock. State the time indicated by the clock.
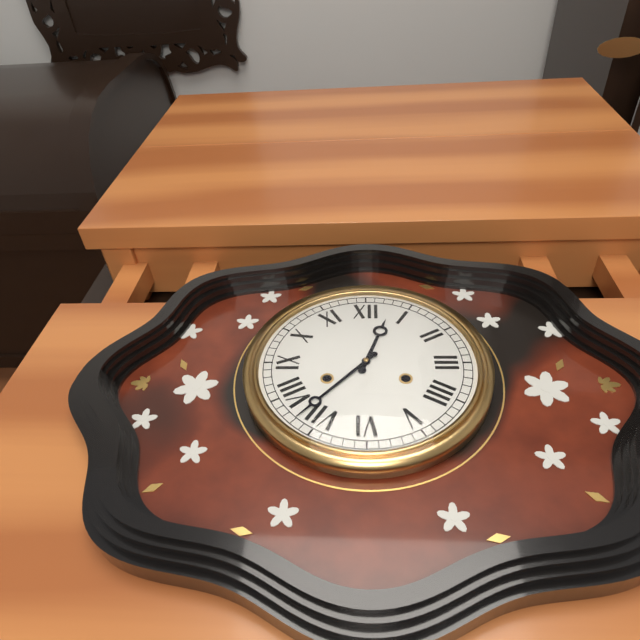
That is 12:37
